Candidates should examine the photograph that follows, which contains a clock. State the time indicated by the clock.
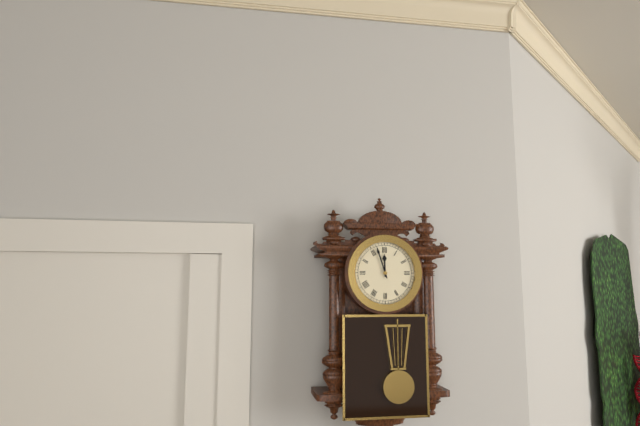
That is 11:57
